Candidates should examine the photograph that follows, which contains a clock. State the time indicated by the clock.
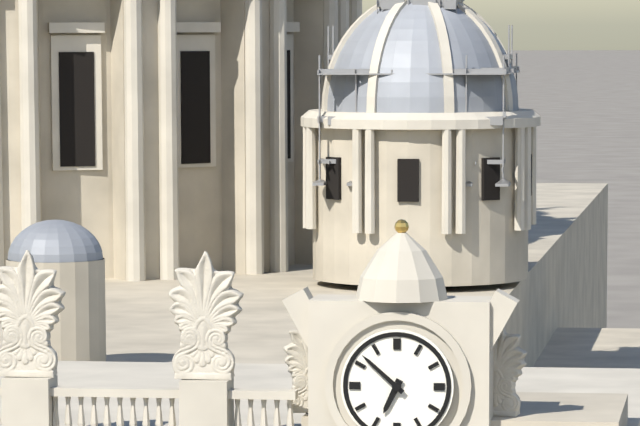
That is 6:52
